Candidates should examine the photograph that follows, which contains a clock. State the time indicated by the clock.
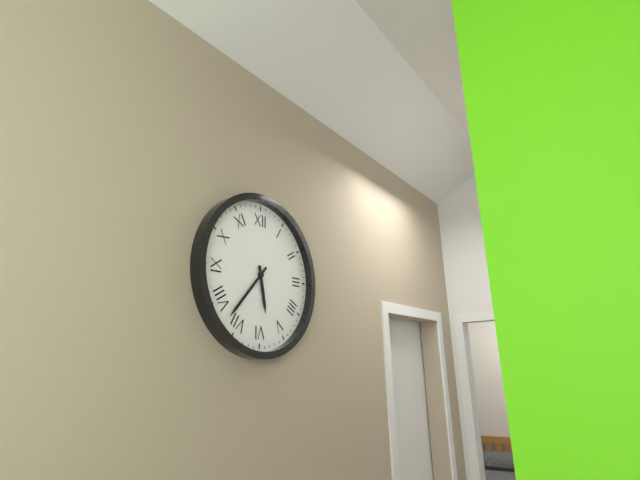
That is 5:37
